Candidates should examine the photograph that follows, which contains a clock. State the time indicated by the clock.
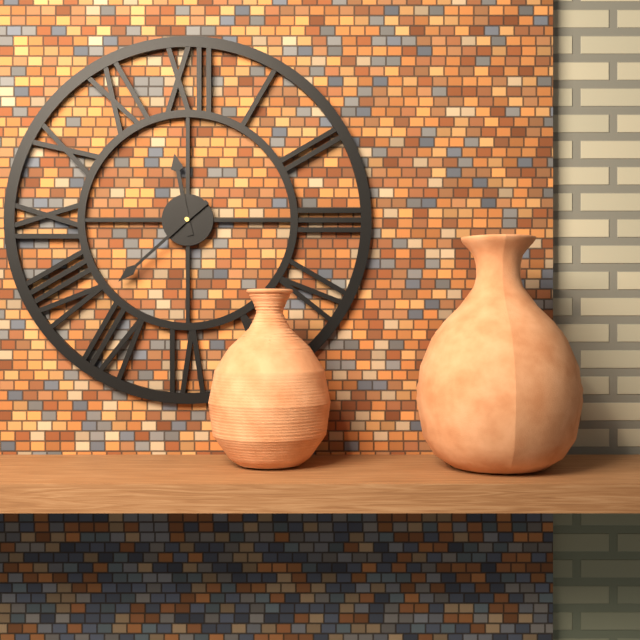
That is 11:38
